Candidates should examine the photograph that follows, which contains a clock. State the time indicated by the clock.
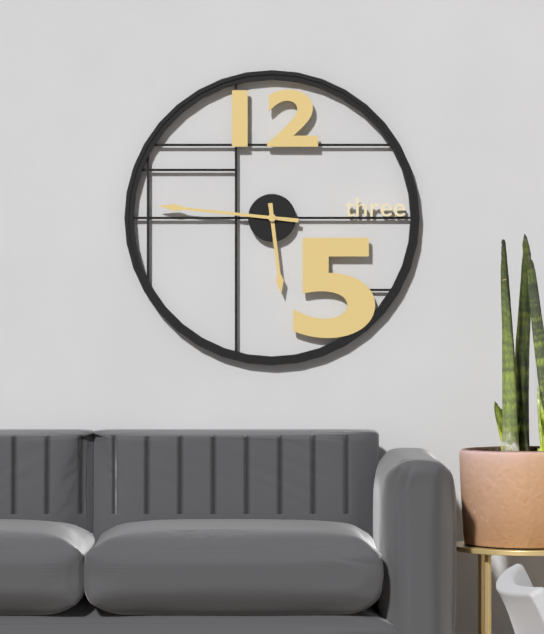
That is 5:46
